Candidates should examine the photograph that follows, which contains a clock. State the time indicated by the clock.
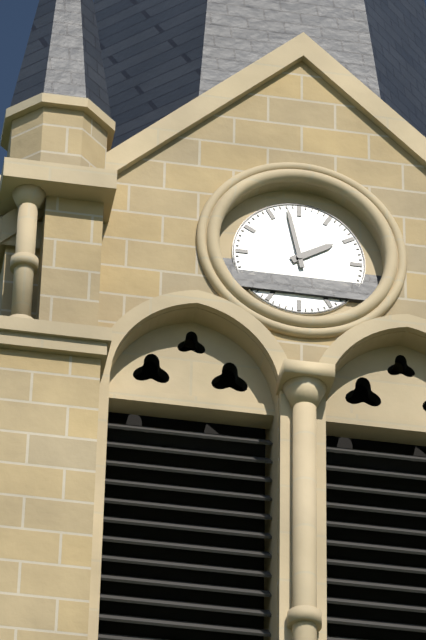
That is 1:58
